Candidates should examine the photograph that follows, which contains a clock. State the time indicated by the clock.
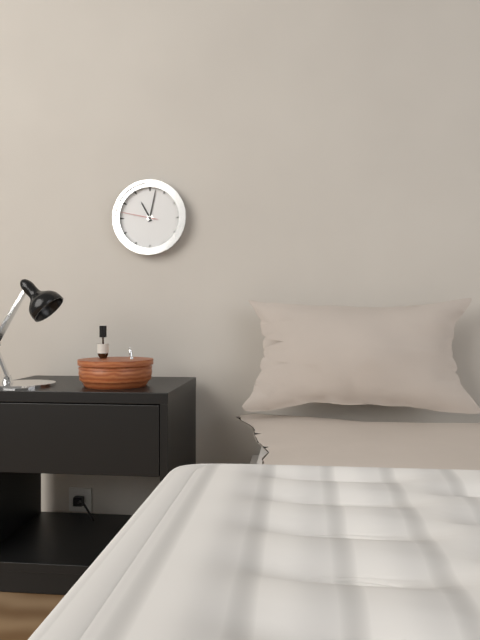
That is 11:02
